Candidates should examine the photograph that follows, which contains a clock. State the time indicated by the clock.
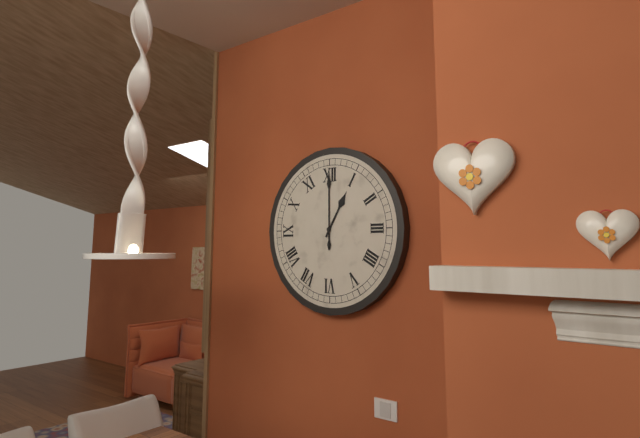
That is 1:00
